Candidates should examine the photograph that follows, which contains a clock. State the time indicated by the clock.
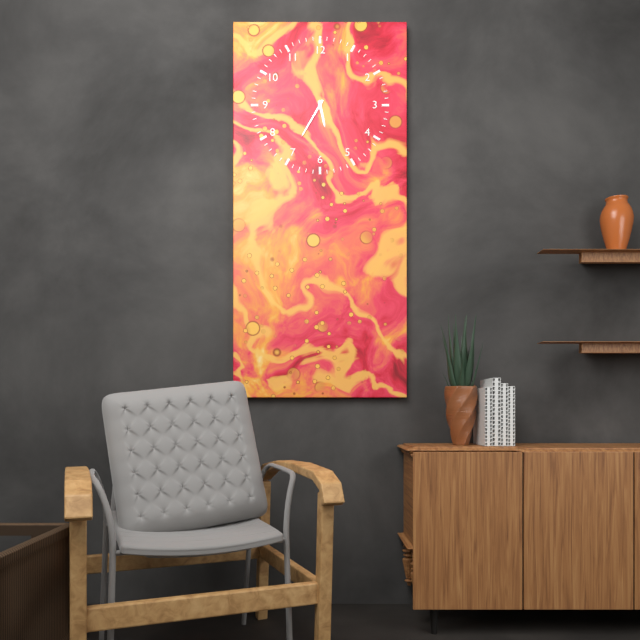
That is 5:35
